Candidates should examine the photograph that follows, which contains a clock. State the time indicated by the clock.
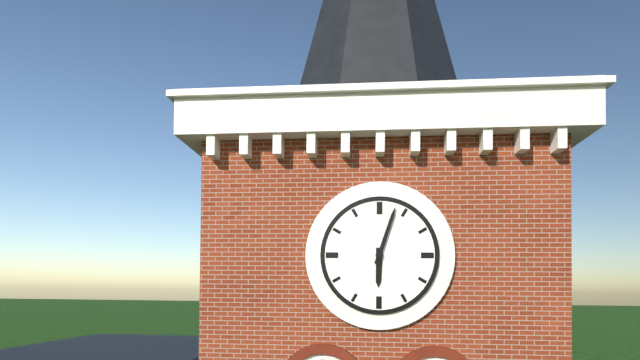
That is 6:03
